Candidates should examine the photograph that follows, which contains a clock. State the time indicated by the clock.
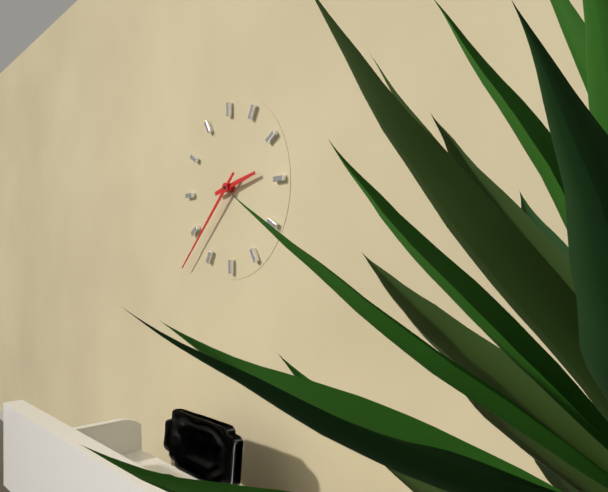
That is 2:38
